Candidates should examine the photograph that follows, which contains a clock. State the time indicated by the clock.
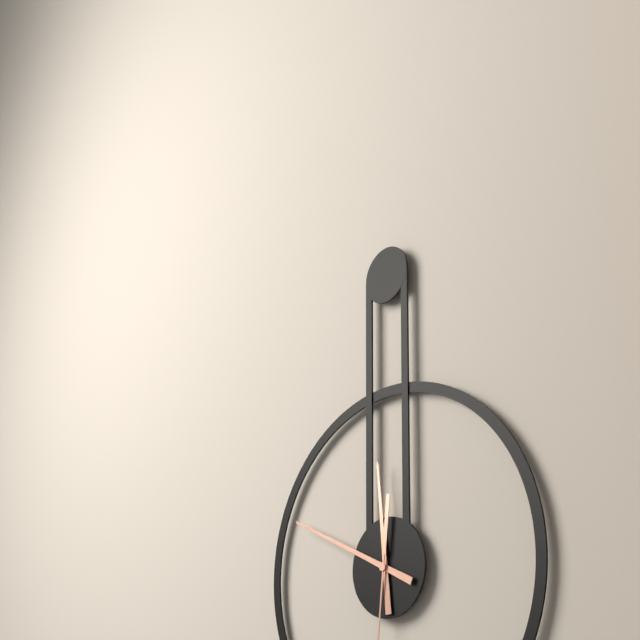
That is 11:49
